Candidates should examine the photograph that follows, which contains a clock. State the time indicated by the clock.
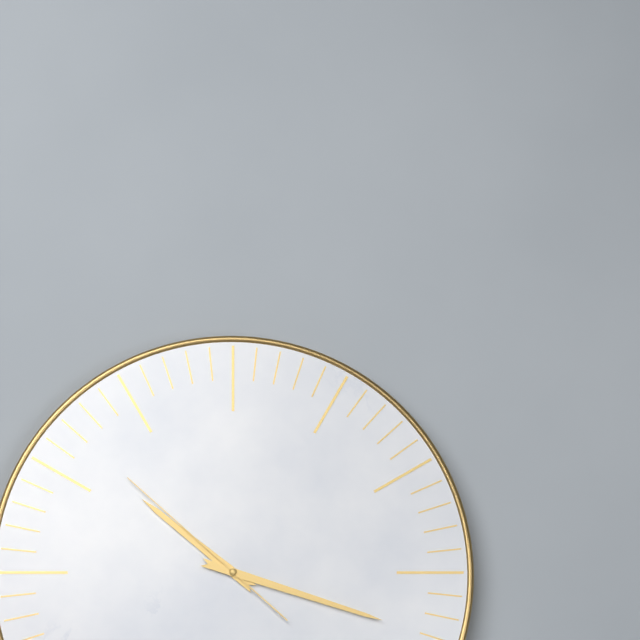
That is 10:18:52
